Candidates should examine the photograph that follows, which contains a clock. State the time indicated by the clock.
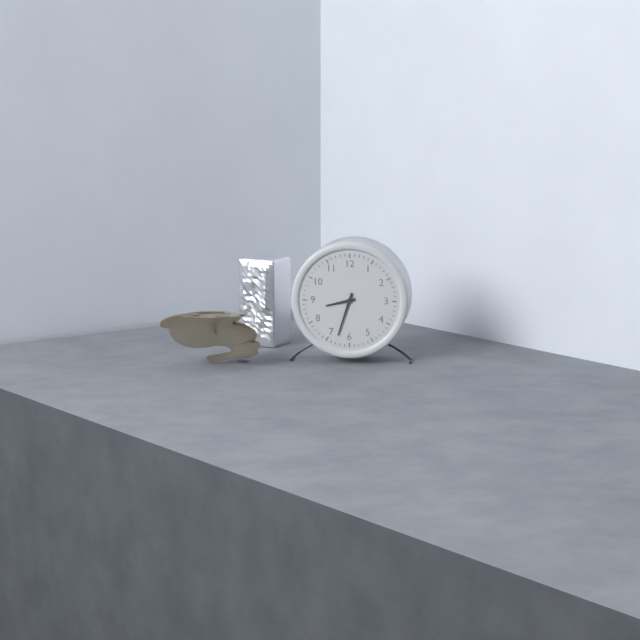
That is 8:33
